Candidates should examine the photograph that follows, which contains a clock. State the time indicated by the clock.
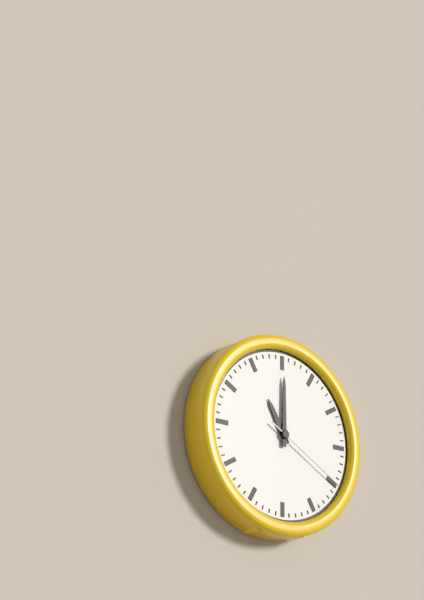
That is 11:00:20
